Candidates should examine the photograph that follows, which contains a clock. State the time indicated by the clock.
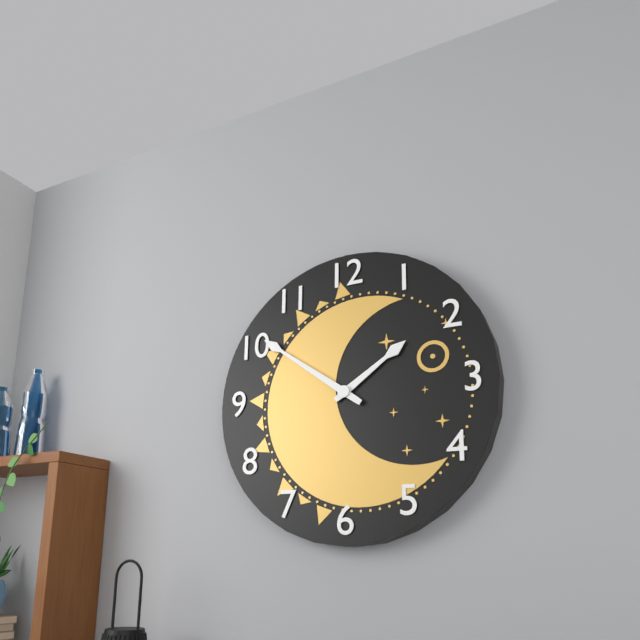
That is 1:51
